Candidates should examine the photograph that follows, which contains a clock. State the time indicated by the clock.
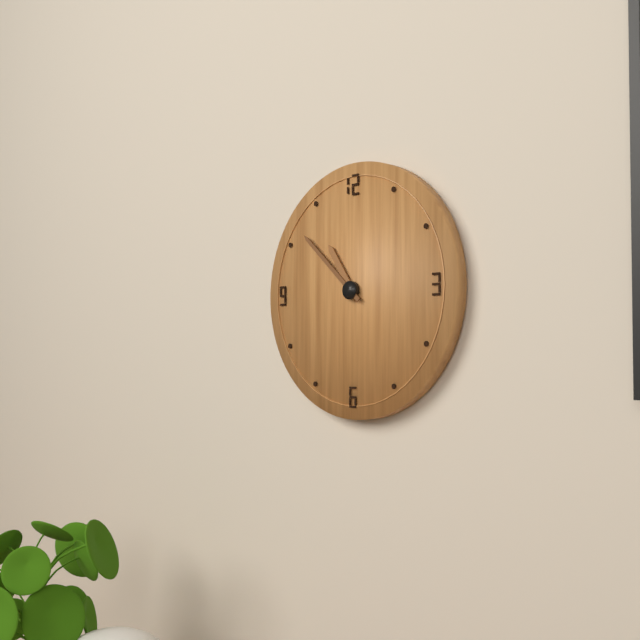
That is 10:52
